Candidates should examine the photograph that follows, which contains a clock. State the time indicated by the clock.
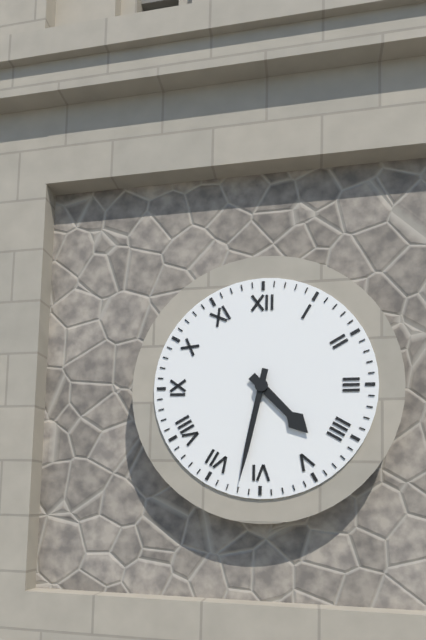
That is 4:32
